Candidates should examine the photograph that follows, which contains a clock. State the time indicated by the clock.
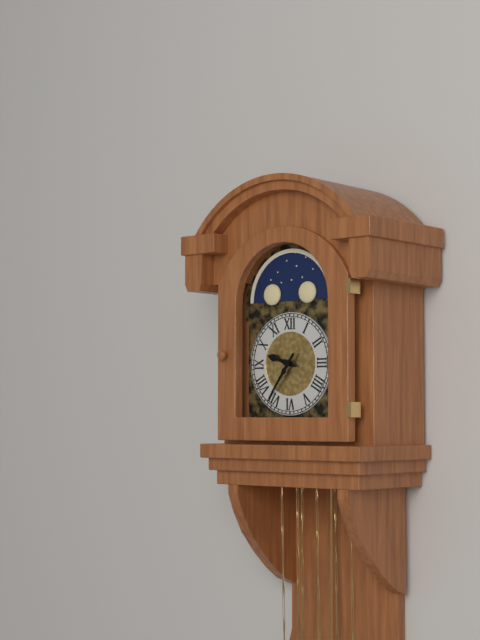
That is 9:36
